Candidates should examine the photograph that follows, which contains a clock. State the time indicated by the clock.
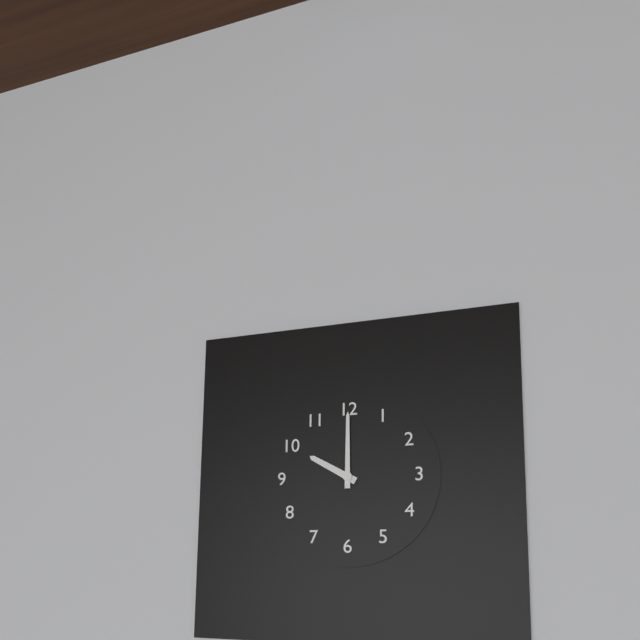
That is 10:00
